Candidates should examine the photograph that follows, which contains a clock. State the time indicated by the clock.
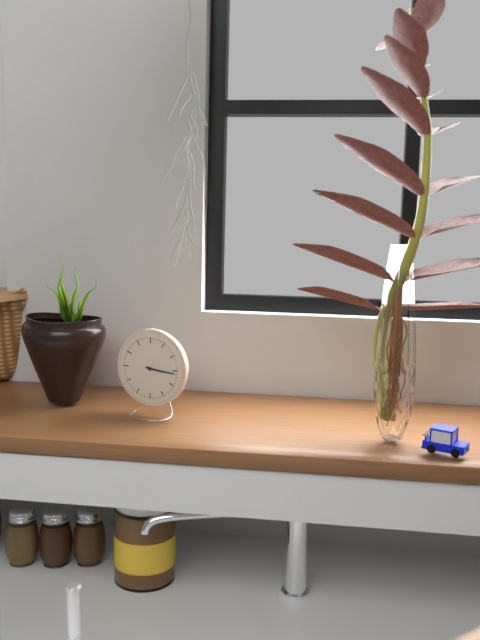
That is 3:16
